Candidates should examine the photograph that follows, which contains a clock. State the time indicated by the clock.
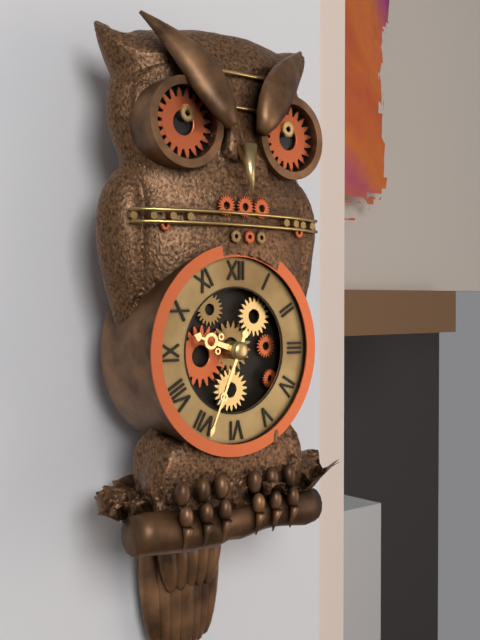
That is 9:34
